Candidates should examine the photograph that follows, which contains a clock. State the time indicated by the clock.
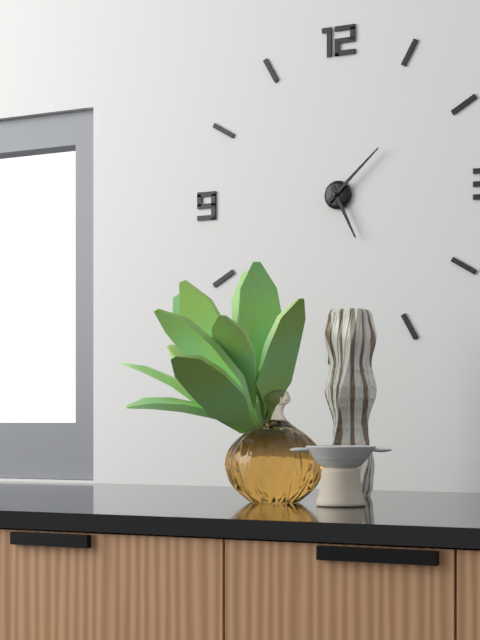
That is 5:08
